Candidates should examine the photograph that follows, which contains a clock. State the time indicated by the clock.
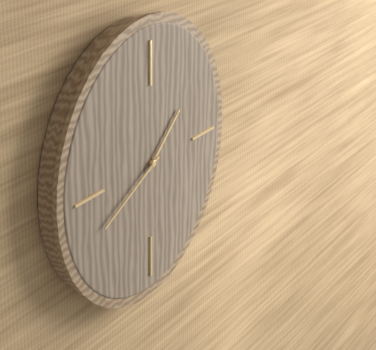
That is 1:41
